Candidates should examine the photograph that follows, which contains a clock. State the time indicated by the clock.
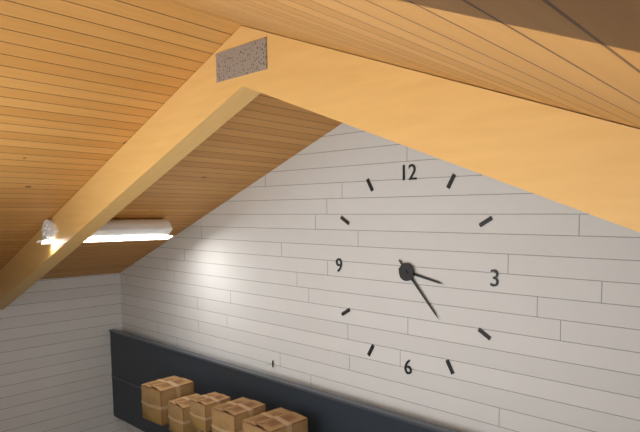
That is 3:23
